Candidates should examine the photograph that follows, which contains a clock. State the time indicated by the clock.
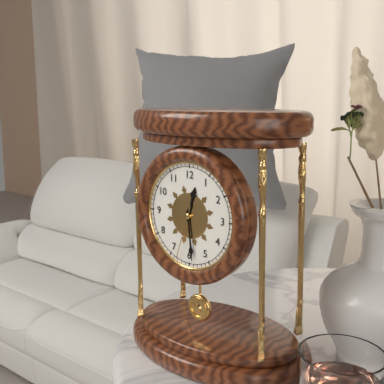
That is 12:29:33
